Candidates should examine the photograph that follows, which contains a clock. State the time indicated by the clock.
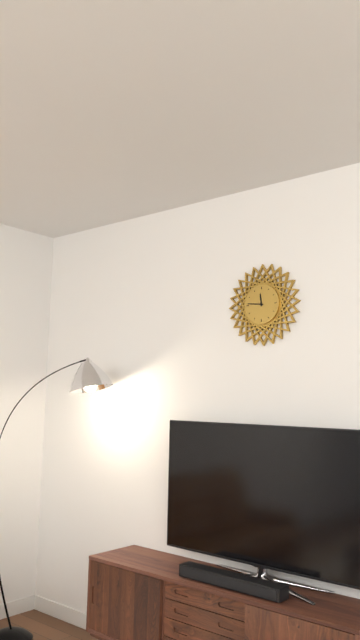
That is 11:46
